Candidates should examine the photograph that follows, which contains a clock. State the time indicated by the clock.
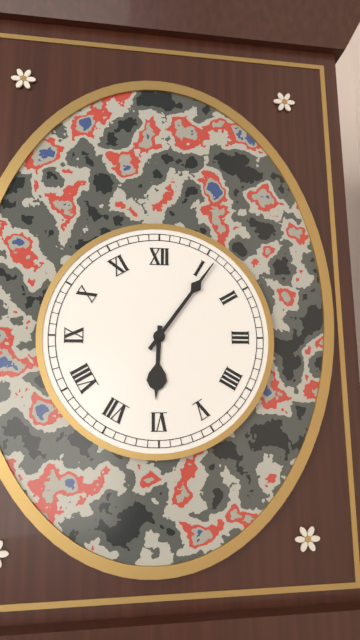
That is 6:06
